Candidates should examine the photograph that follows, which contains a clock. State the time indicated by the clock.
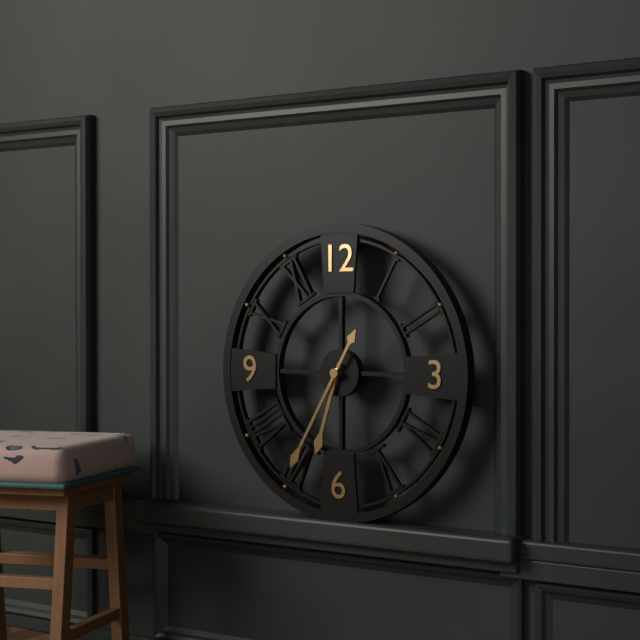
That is 6:35
